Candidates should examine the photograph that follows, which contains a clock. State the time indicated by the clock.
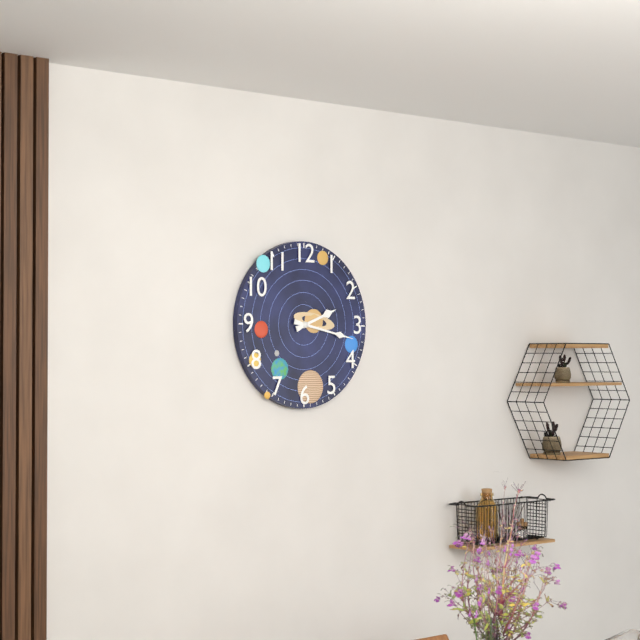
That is 2:17
